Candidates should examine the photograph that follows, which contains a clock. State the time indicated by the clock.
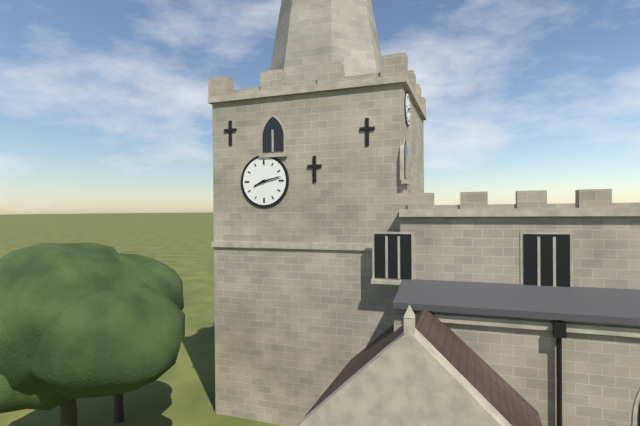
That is 8:13
